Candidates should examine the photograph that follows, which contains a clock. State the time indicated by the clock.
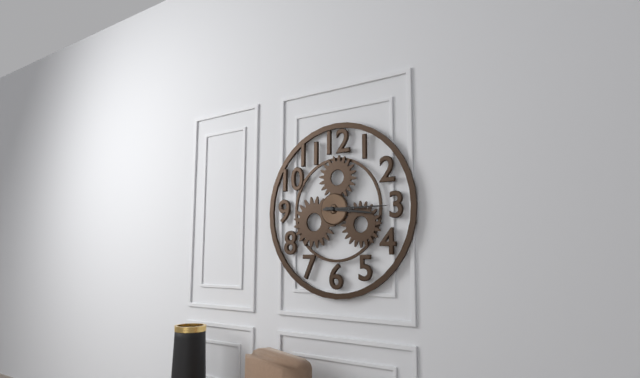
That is 3:15
